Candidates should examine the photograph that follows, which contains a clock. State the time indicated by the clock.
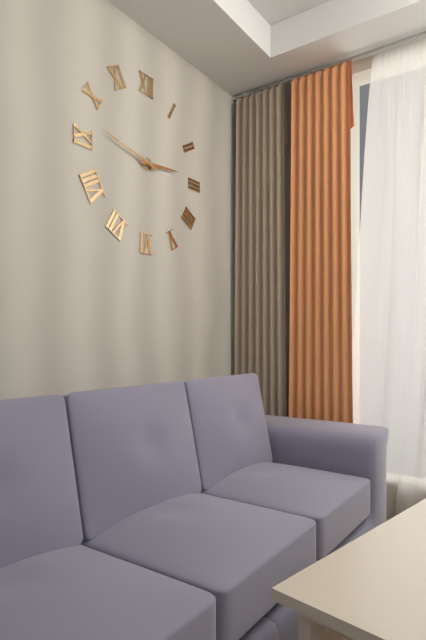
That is 2:47
